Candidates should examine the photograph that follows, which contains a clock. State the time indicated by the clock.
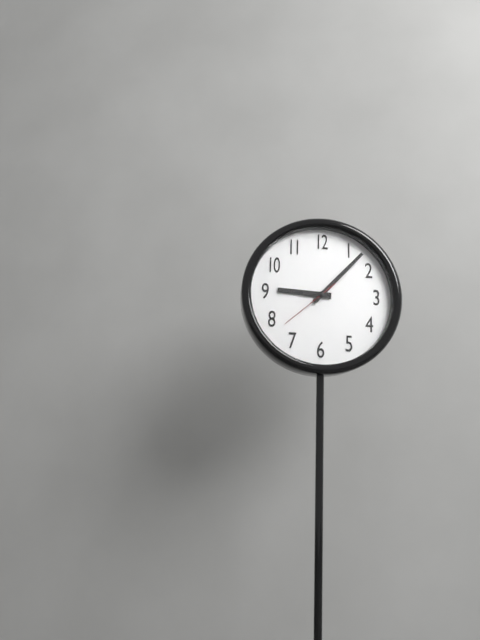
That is 9:07:38
